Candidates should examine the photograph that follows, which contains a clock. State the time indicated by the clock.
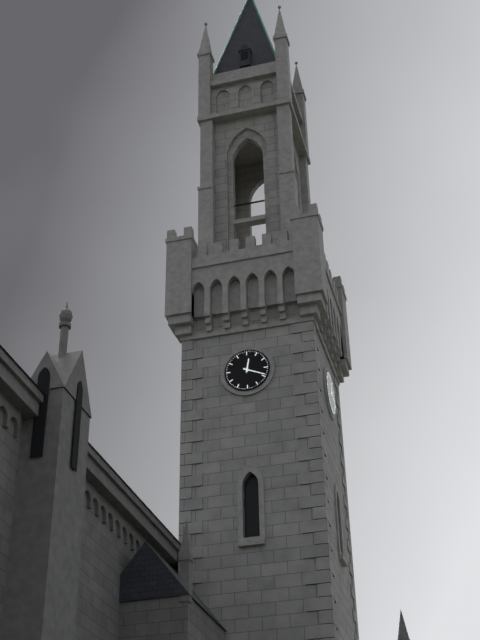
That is 12:19
